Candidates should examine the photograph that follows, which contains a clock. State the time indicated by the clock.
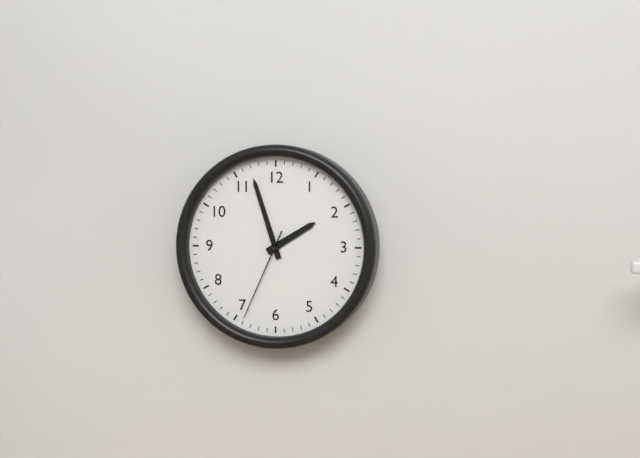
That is 1:57:34
